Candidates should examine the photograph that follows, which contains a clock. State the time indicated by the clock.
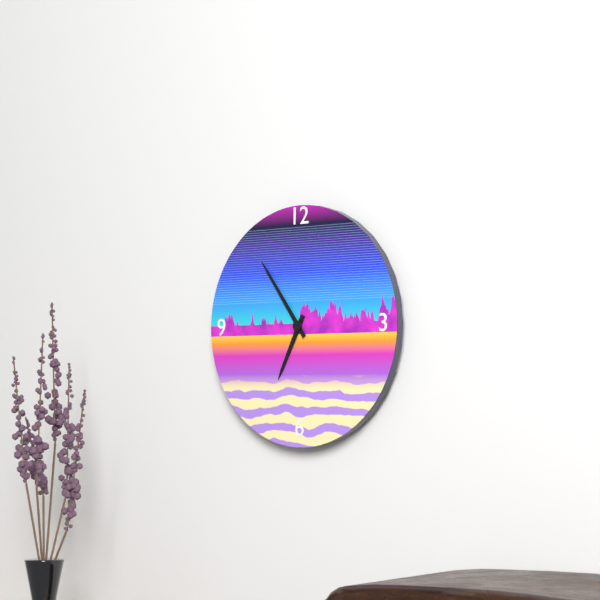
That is 6:54
